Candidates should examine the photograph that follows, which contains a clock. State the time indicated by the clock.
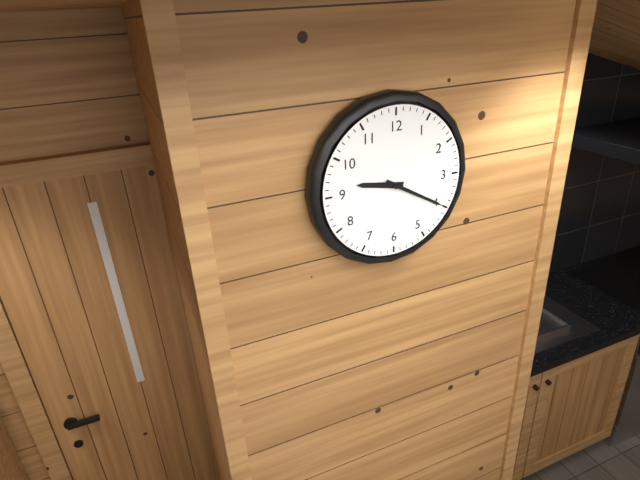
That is 9:20
